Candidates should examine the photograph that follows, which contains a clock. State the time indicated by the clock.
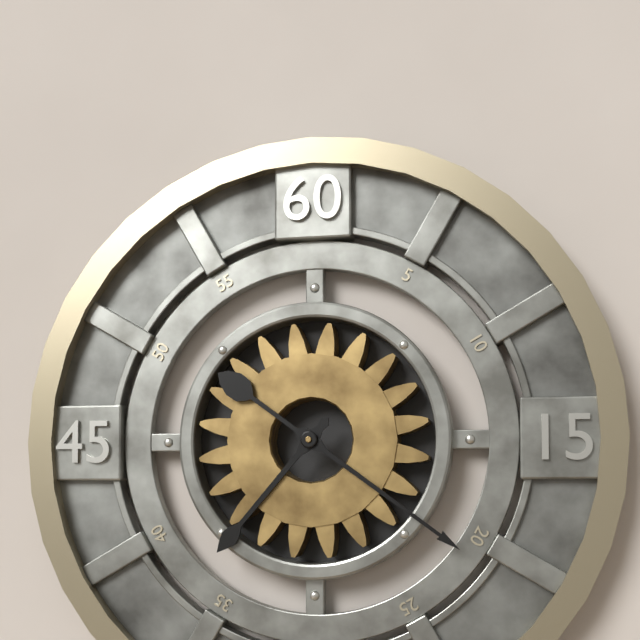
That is 7:21
